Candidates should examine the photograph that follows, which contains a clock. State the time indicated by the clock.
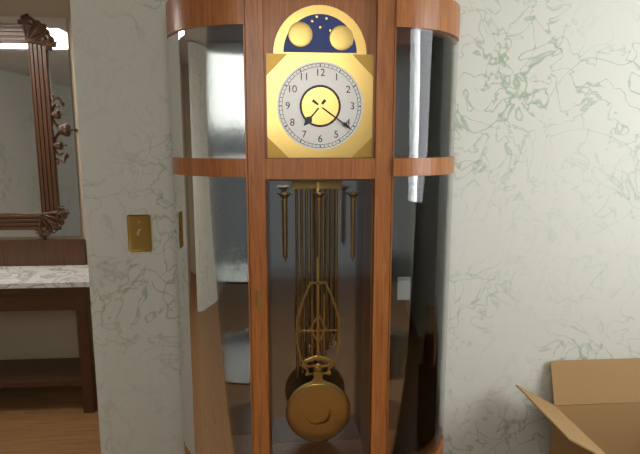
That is 7:21
